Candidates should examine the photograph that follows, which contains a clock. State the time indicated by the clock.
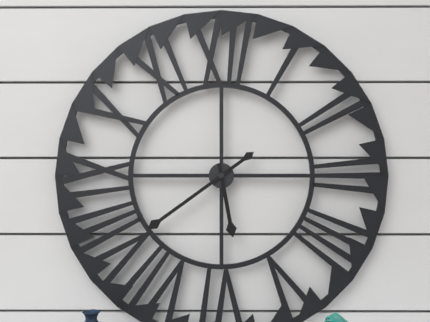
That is 5:39
